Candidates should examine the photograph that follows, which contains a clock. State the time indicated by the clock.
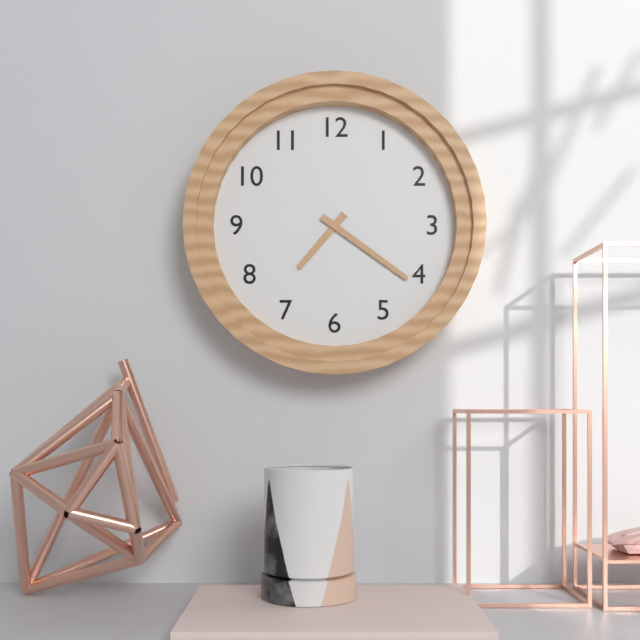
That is 7:21
